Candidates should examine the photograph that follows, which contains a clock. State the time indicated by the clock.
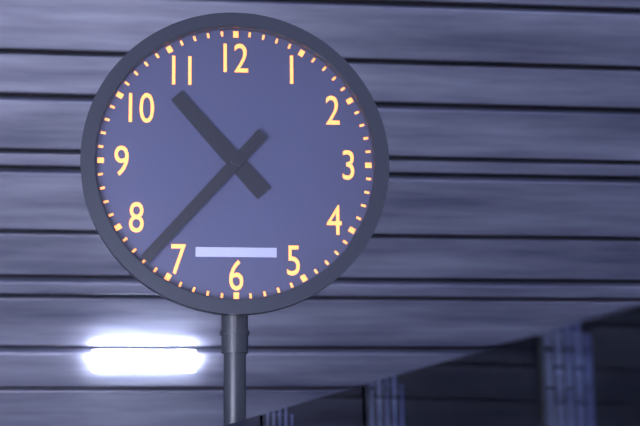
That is 10:37
